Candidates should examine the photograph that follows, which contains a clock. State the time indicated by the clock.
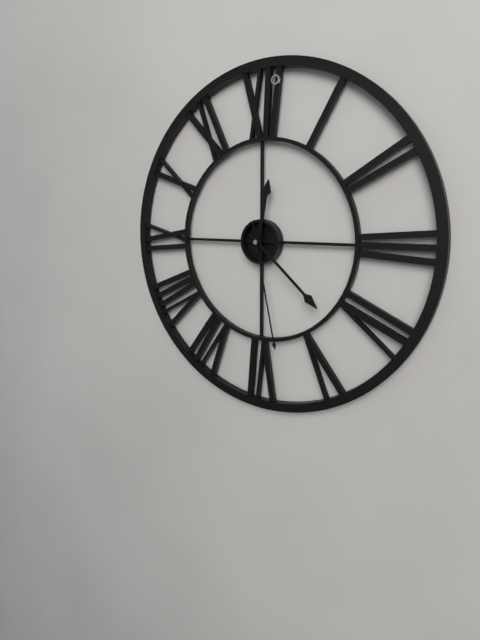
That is 12:22:28
